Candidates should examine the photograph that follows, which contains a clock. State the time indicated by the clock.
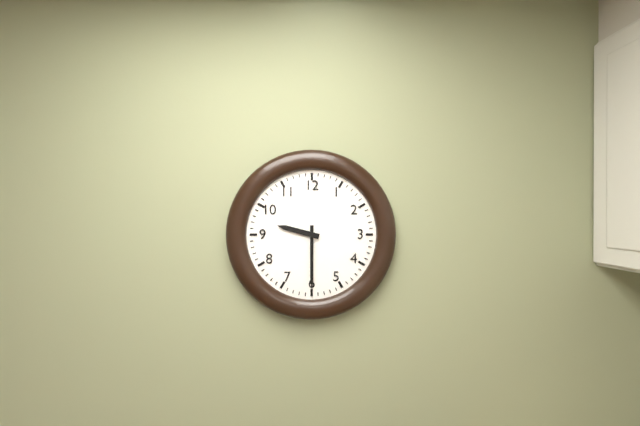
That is 9:30
